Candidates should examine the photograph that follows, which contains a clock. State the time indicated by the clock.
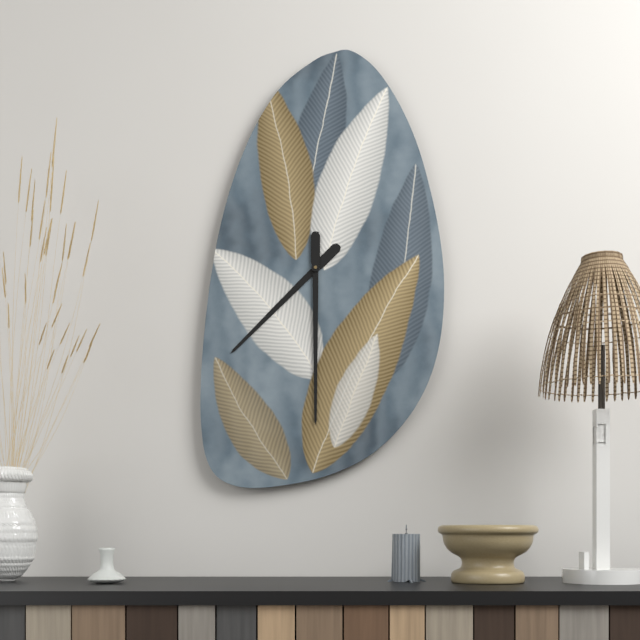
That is 7:30
